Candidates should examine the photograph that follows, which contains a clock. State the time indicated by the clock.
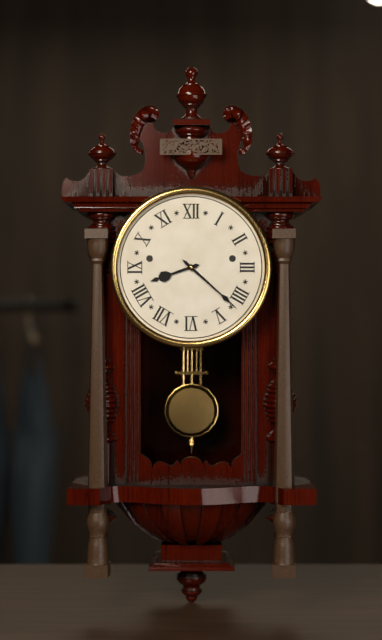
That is 8:22
